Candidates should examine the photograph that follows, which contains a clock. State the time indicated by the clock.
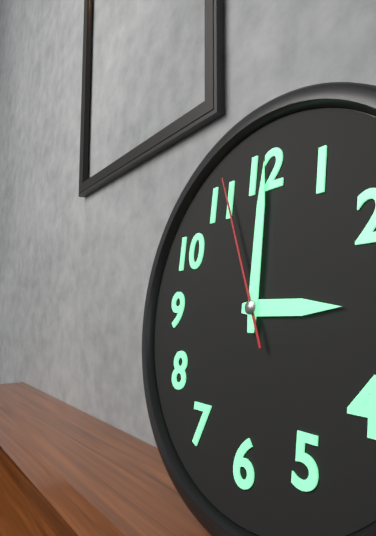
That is 3:00:56
